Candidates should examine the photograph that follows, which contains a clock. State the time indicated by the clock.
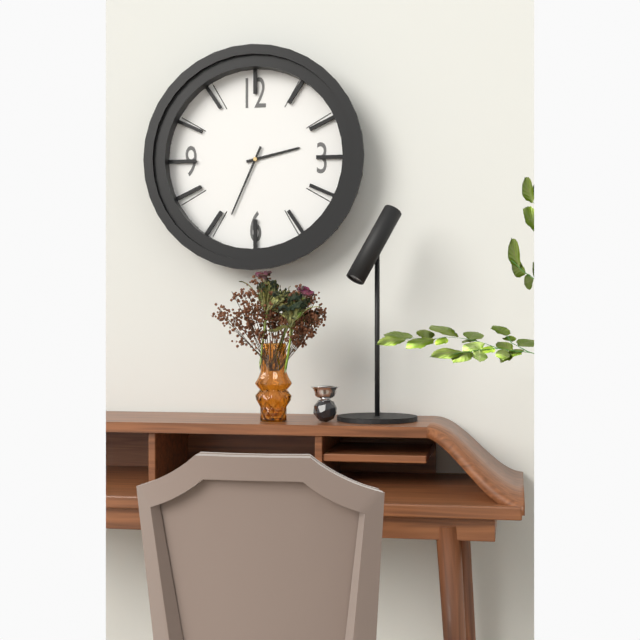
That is 2:34
